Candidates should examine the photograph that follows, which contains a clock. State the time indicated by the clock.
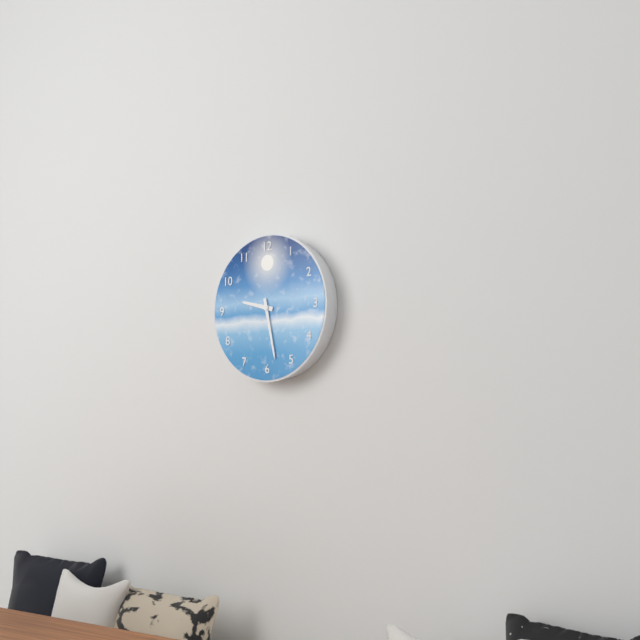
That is 9:28
